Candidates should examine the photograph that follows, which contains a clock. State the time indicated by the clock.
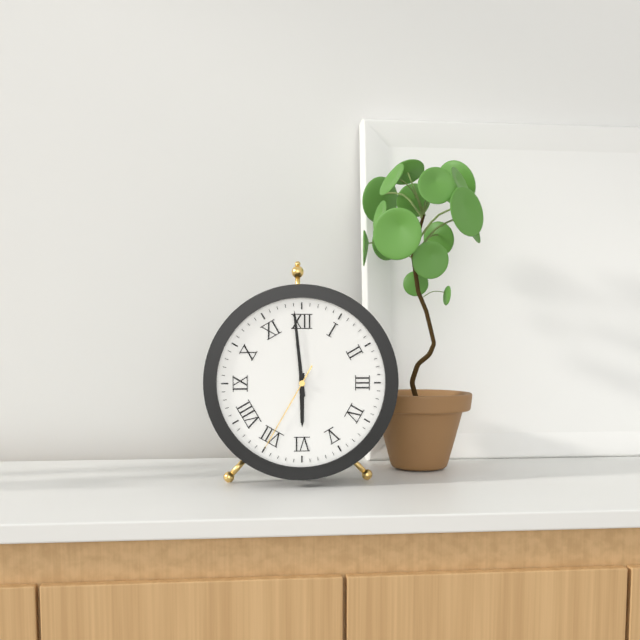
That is 5:59:35
